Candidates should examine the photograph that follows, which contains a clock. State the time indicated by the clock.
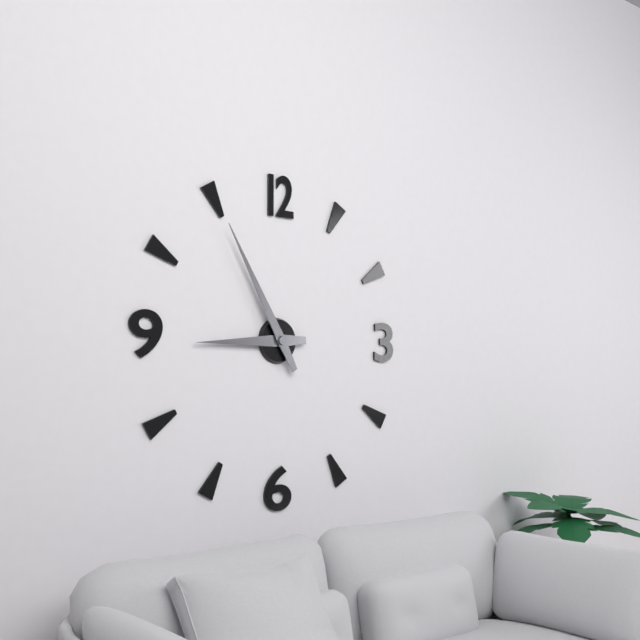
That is 8:55
